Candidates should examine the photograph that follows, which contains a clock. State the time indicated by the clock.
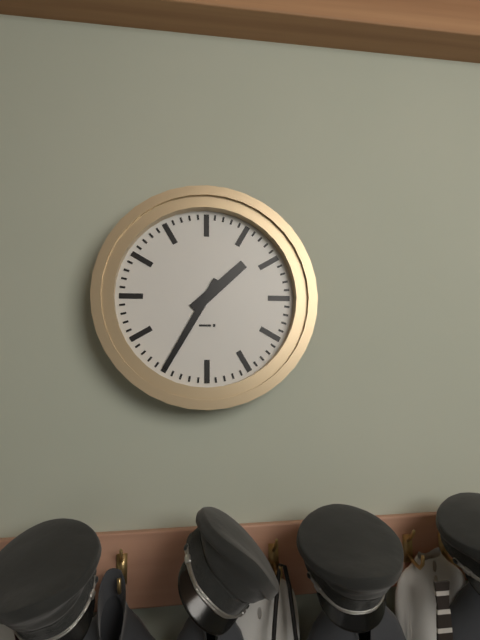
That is 1:35
